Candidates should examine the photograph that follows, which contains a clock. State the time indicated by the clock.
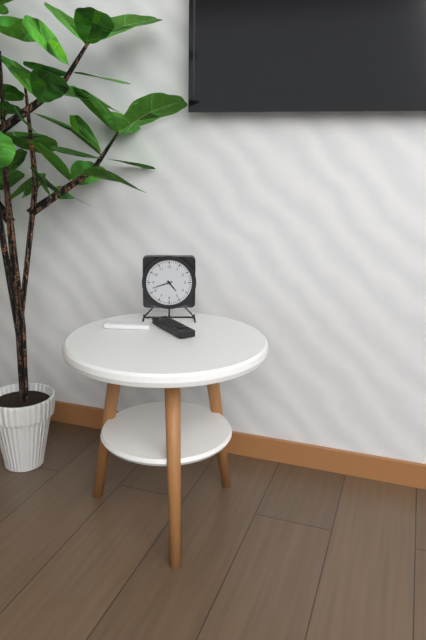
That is 4:42
